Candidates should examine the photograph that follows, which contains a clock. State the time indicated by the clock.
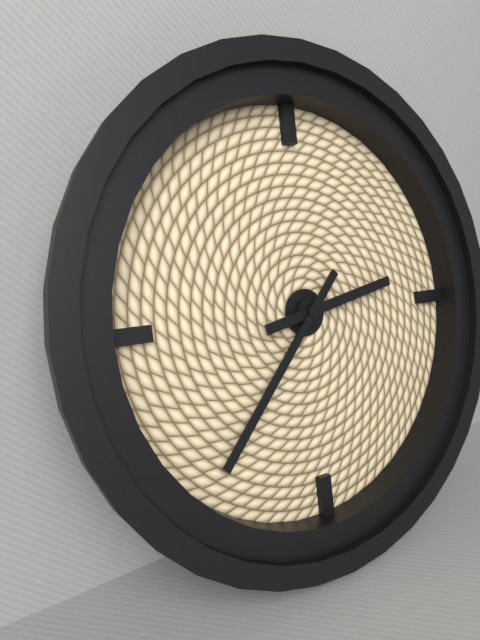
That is 2:37
